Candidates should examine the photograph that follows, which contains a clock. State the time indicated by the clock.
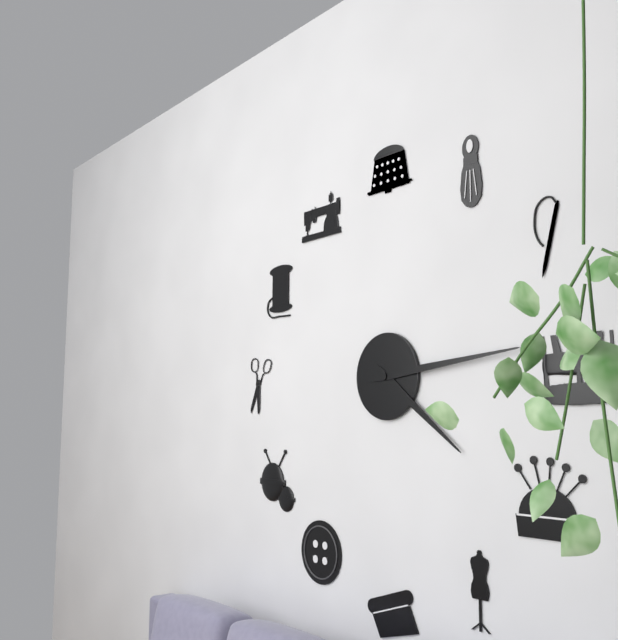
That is 4:14
